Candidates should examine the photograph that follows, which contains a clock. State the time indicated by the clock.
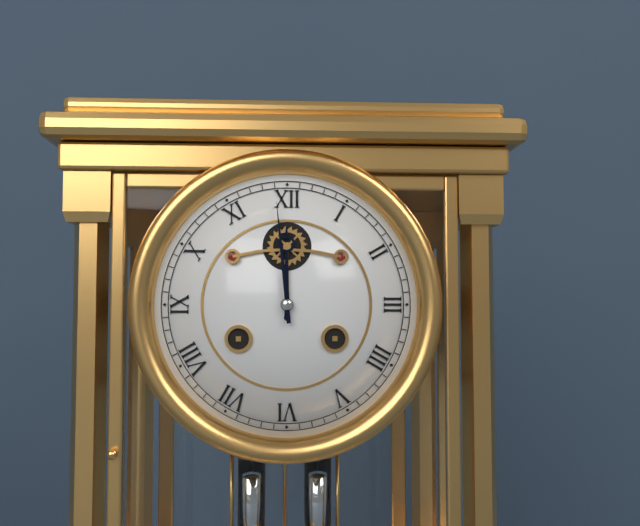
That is 11:59
